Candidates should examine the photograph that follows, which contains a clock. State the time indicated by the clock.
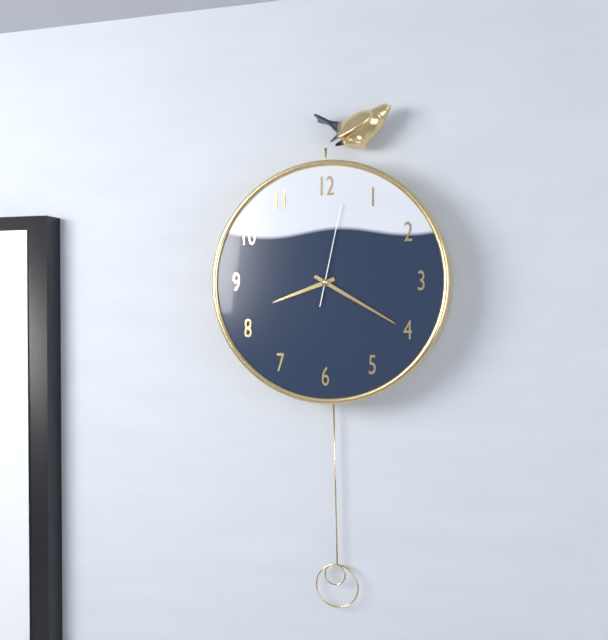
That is 8:20:02
